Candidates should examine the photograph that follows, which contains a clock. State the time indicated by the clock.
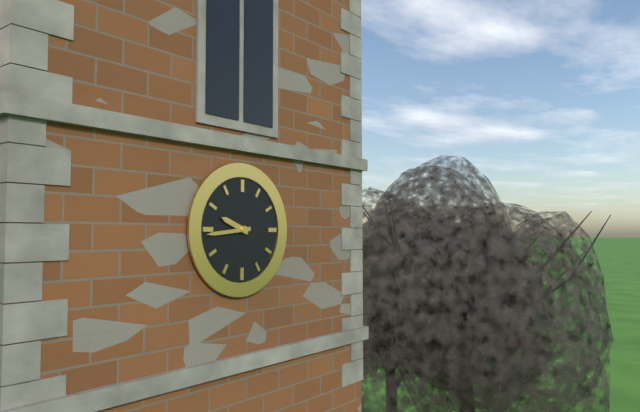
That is 9:44
